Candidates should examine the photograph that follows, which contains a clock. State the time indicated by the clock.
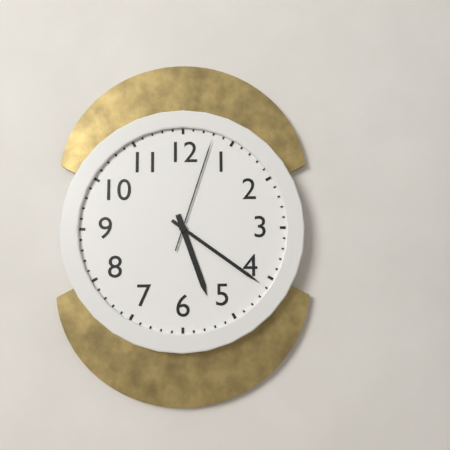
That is 5:21:03
